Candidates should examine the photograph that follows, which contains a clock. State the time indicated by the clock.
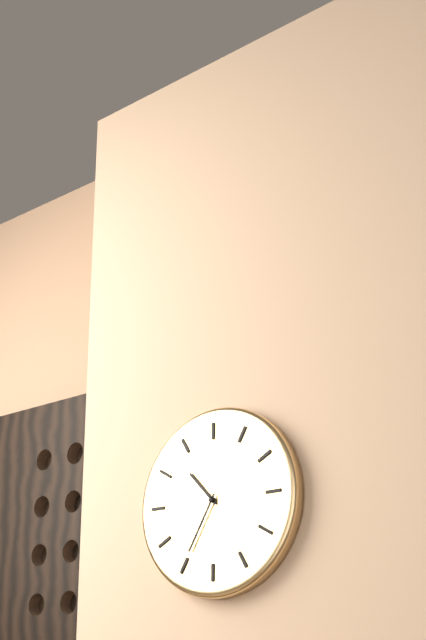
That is 10:35
